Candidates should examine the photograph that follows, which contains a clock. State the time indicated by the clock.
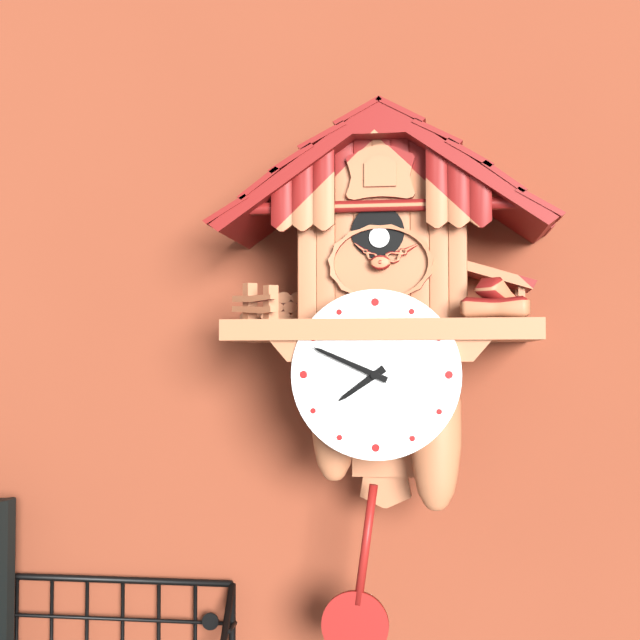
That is 7:49
